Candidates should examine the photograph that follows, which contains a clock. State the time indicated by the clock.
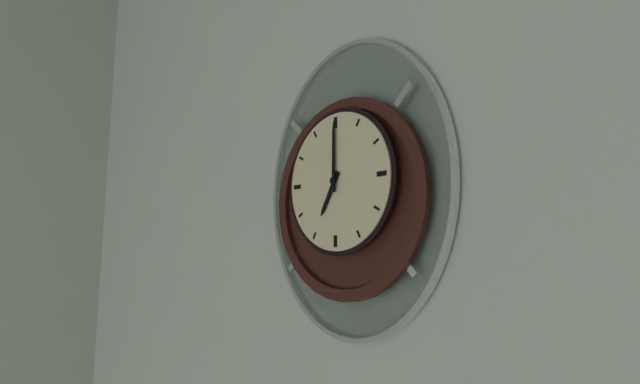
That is 7:00
